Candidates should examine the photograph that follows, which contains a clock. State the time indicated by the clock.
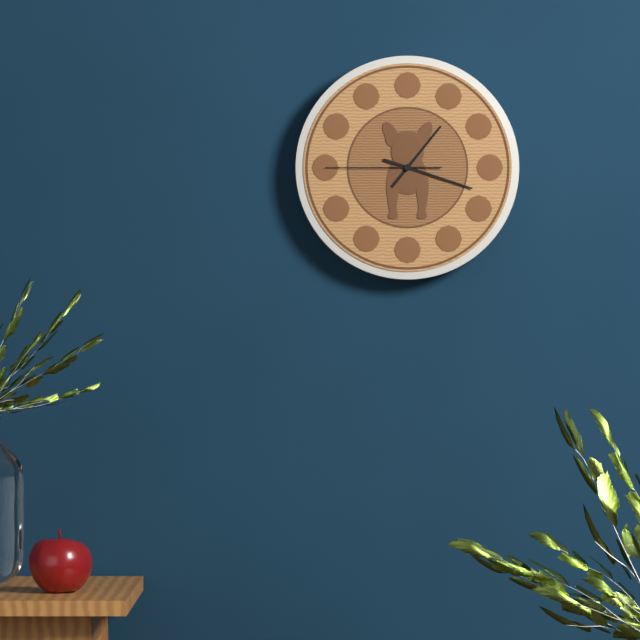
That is 1:18:45
